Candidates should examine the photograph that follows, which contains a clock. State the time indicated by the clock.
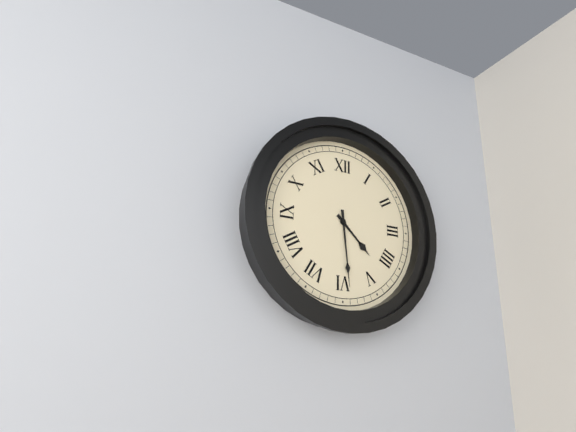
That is 4:29
